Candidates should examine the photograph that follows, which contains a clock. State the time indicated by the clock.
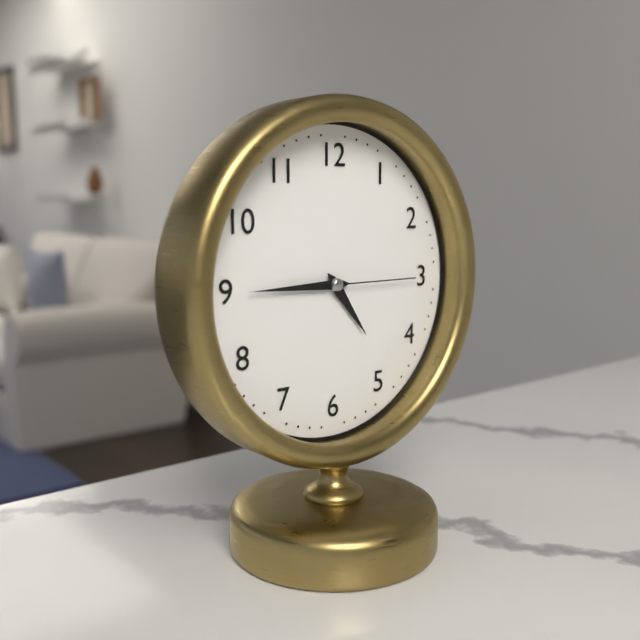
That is 4:45:15
